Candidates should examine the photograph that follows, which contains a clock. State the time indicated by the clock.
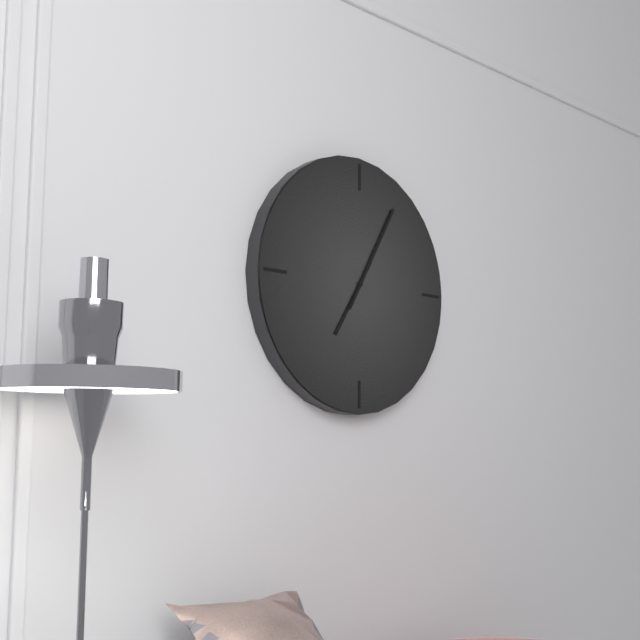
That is 7:05
